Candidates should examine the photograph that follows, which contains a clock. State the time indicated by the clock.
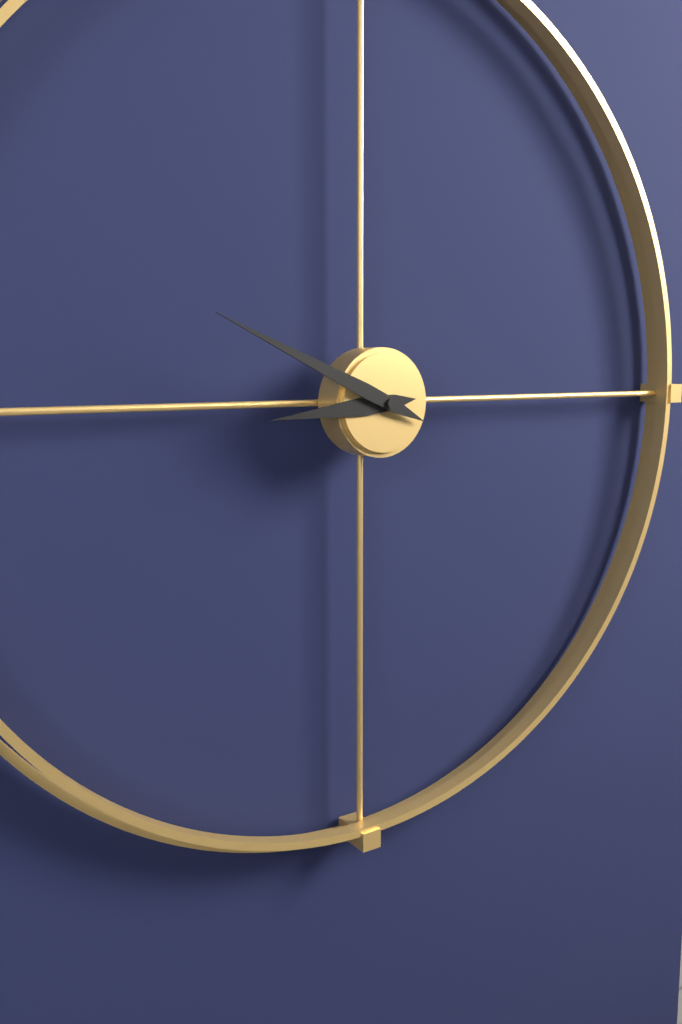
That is 8:49
